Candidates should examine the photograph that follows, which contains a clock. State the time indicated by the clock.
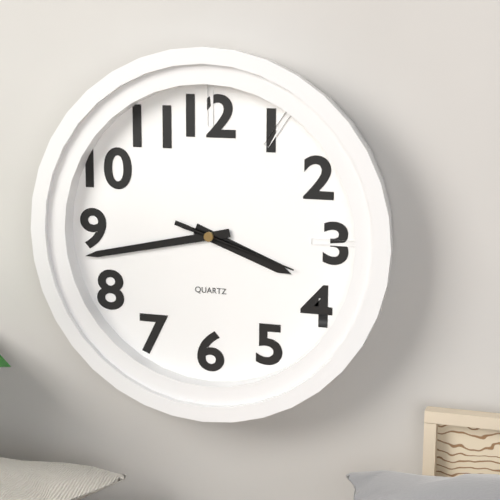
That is 3:43:18
